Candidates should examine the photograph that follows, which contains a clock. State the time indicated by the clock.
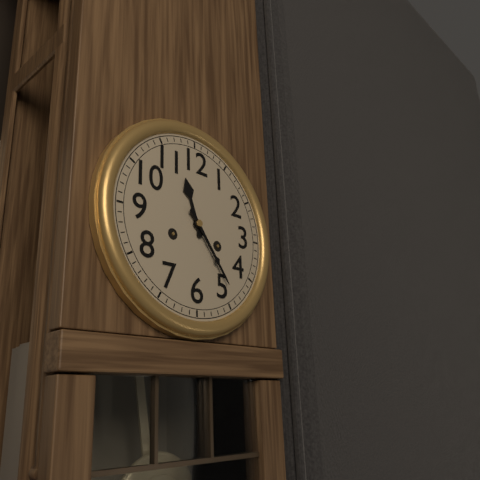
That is 11:24
